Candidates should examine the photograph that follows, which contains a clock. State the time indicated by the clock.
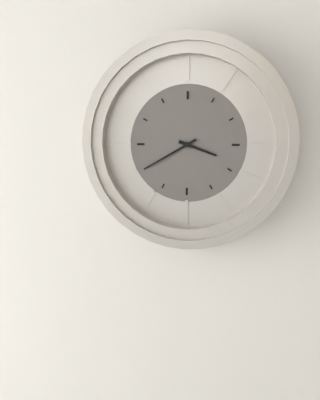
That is 3:40
